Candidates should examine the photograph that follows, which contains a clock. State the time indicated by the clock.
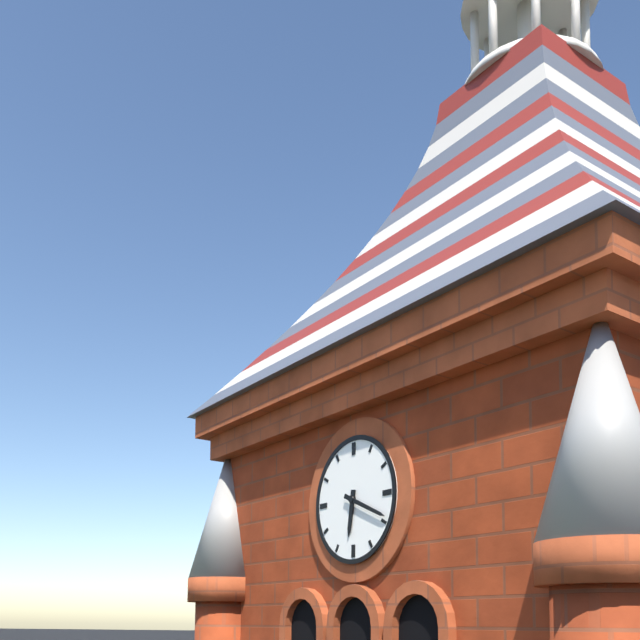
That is 6:19
